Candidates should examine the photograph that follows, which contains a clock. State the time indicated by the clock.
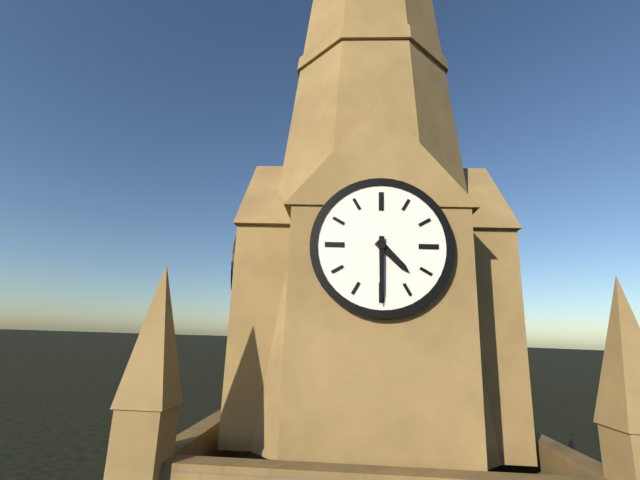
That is 4:30
